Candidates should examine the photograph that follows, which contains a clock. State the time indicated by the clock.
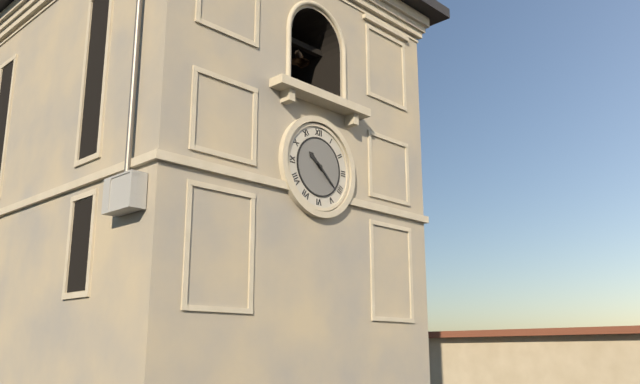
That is 10:22
